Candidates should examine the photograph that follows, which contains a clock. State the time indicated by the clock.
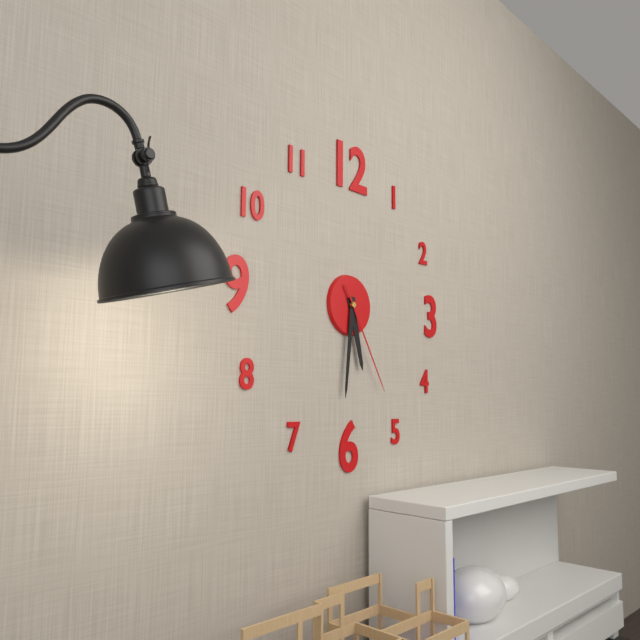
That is 5:31:25
